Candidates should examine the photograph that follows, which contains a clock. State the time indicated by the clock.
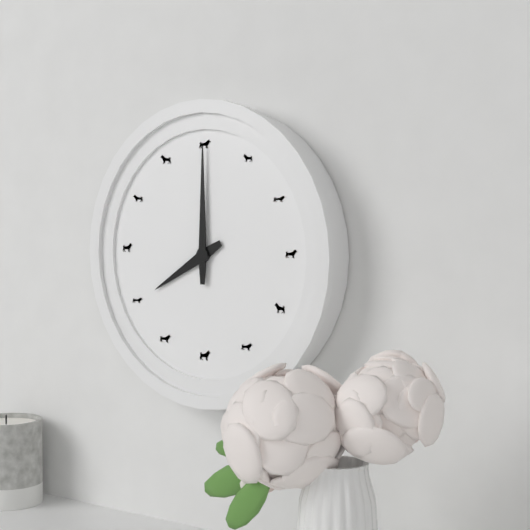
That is 8:00
